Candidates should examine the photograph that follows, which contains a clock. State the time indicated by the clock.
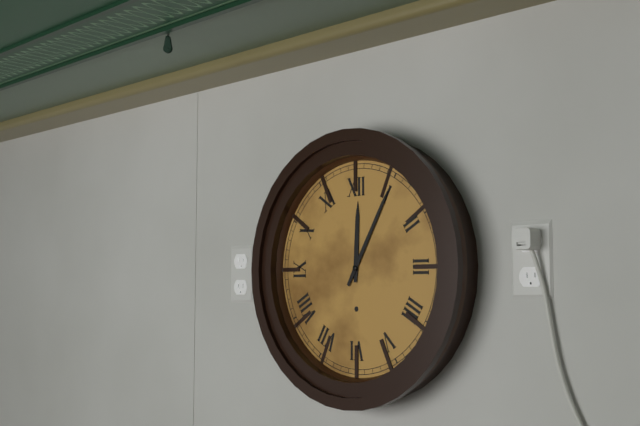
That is 12:05
